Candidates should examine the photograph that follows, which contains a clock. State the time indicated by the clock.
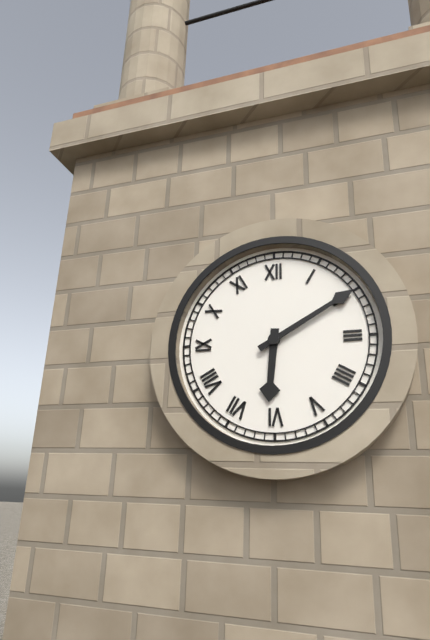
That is 6:10
